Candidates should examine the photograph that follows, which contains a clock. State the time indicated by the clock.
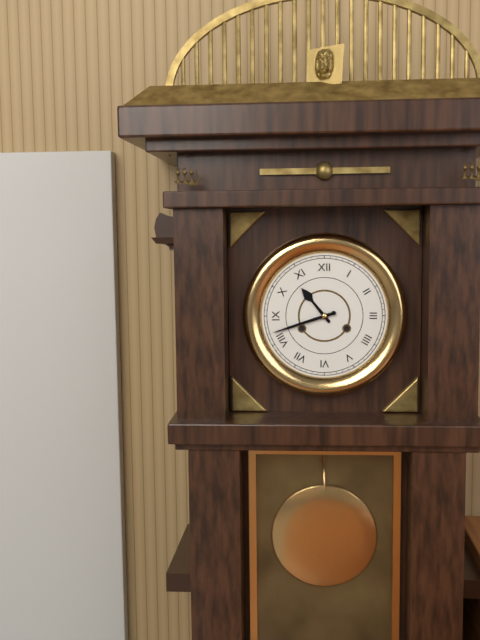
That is 10:42
